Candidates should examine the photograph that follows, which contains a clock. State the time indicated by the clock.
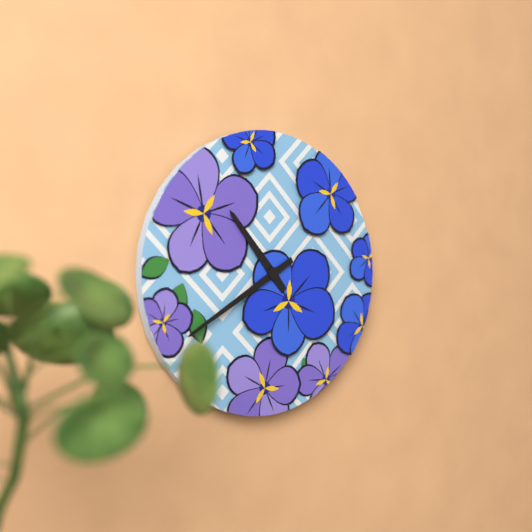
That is 10:40
